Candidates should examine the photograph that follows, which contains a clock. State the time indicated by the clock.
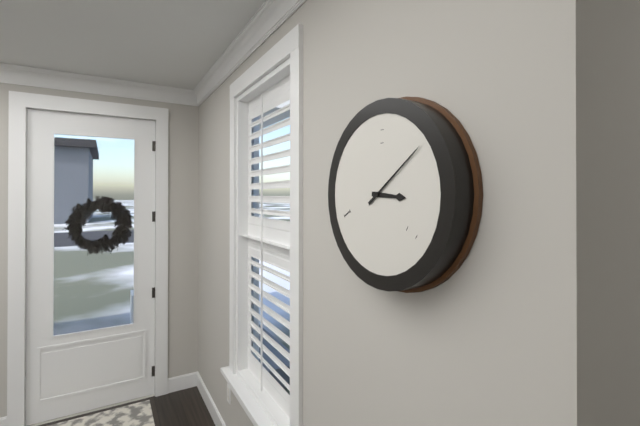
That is 3:09
